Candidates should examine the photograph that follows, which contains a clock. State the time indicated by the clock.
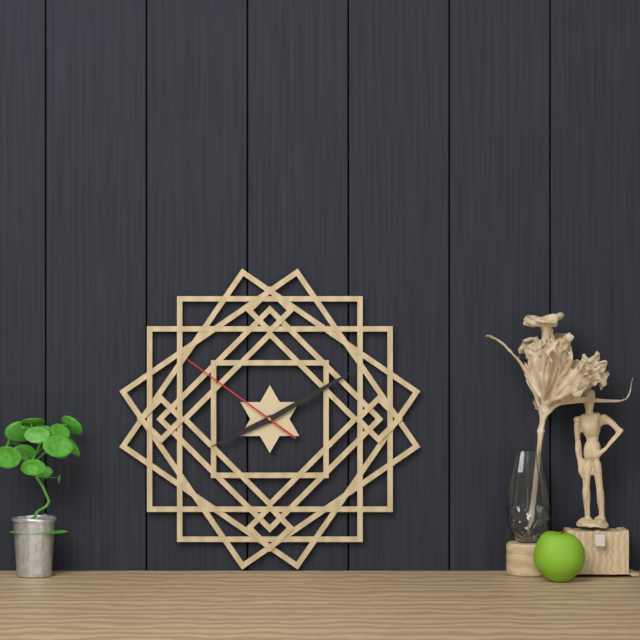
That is 8:10:51
